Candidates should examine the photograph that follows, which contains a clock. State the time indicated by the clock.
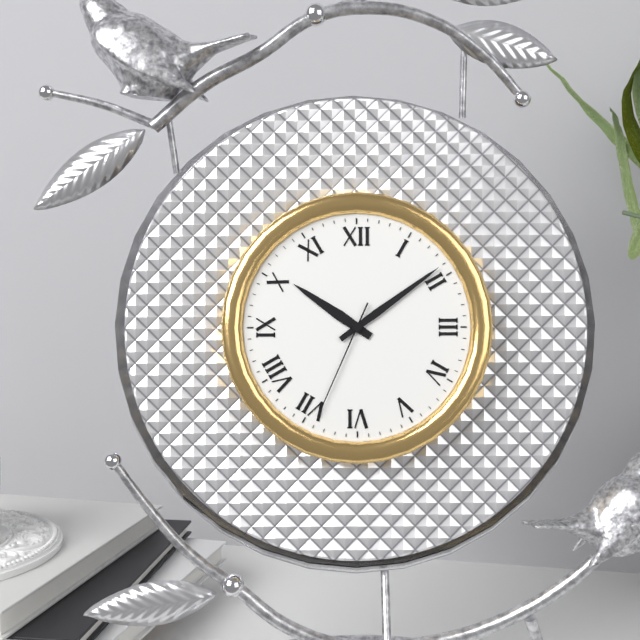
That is 10:09:34
